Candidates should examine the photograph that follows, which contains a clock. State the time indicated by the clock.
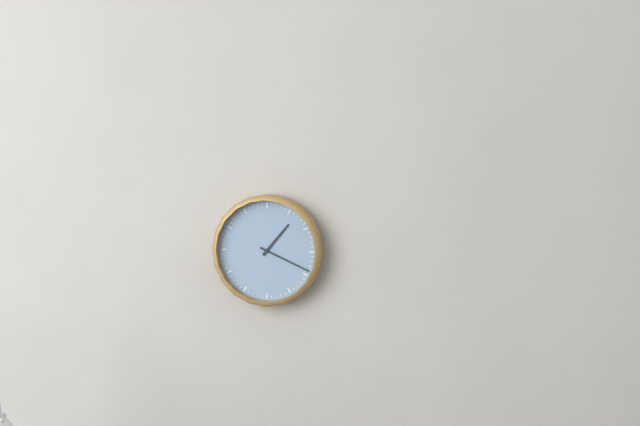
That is 1:19
